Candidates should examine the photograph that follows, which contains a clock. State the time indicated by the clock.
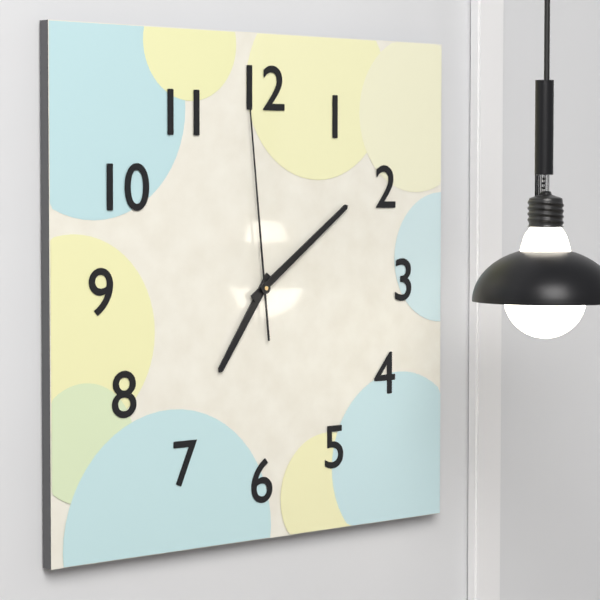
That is 7:09:59
